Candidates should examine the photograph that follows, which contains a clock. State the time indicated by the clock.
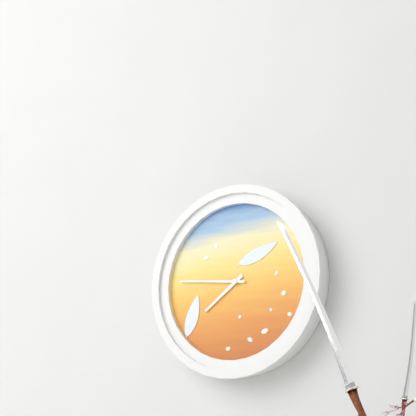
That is 7:46
